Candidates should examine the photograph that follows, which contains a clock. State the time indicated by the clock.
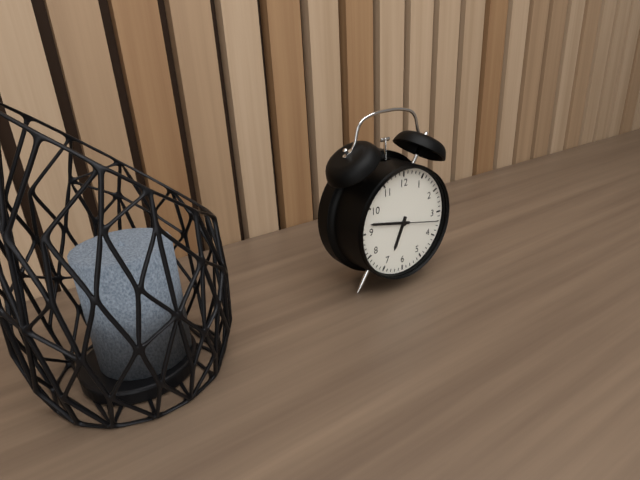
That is 6:47:17
